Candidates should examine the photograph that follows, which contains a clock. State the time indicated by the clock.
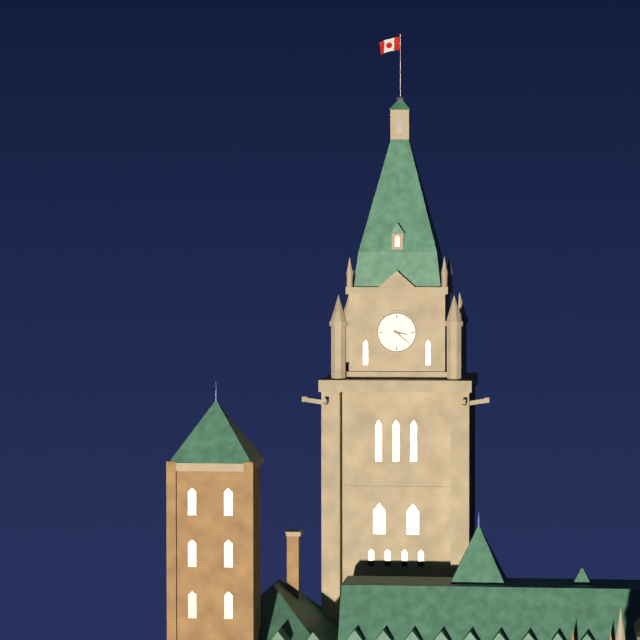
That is 3:22
